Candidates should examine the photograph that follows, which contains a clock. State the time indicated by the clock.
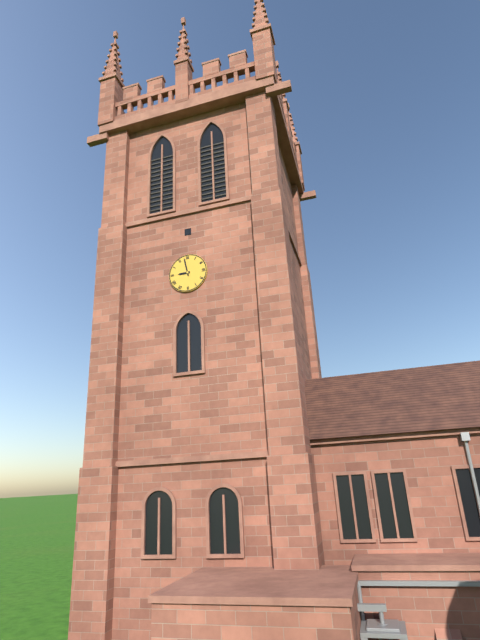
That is 8:58
